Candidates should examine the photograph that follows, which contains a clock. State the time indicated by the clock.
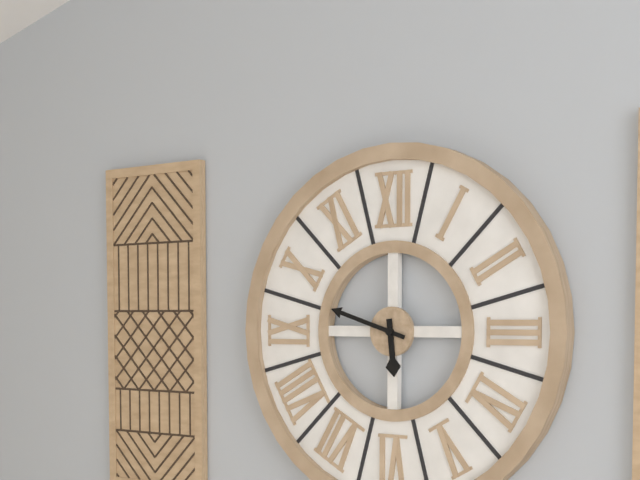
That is 5:48
